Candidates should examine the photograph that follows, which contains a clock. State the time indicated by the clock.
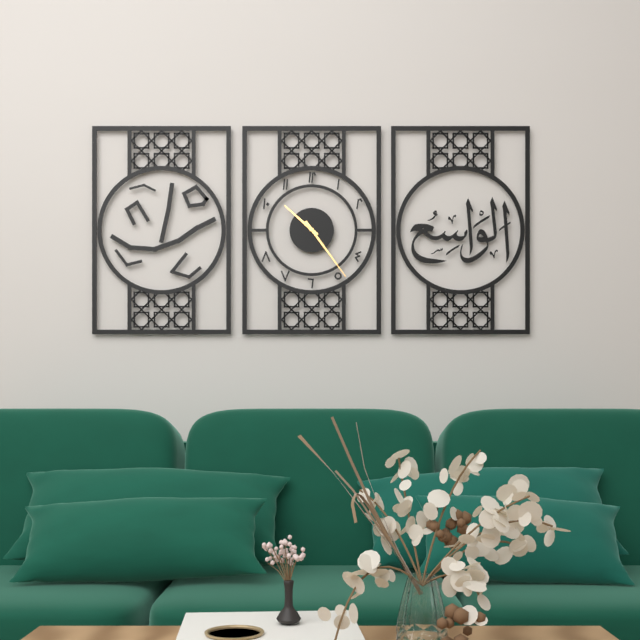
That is 10:24
